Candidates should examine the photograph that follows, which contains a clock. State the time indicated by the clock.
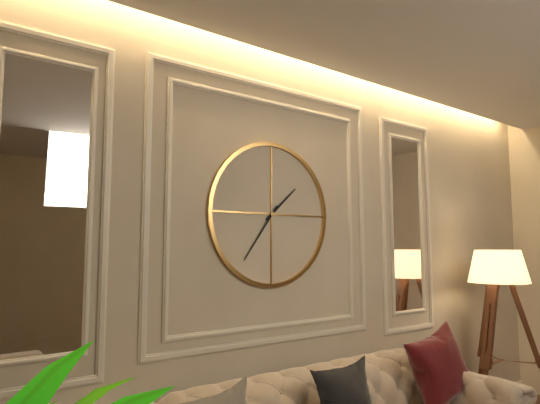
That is 1:36
